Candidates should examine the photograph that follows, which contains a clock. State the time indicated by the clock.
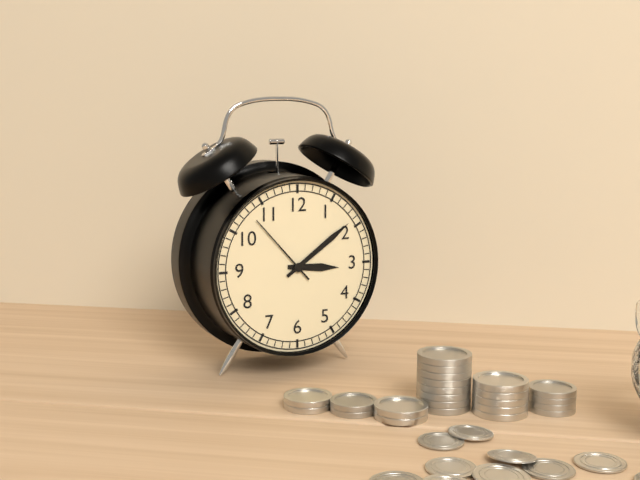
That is 3:09:53
